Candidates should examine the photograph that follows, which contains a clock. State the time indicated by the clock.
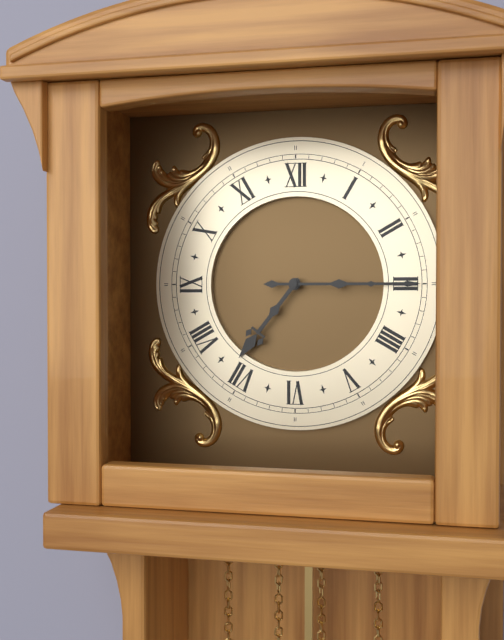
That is 7:15
